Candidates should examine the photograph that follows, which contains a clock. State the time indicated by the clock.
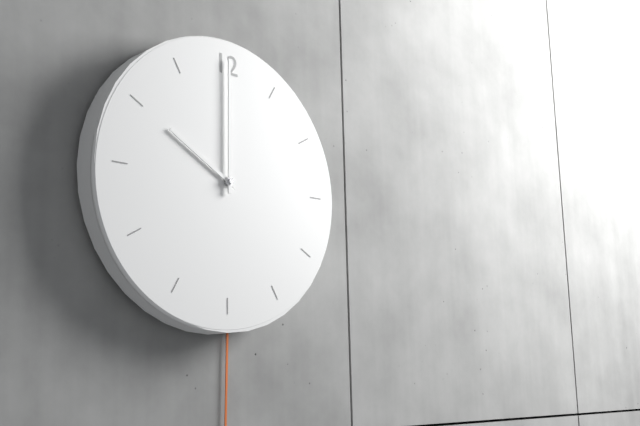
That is 10:00
